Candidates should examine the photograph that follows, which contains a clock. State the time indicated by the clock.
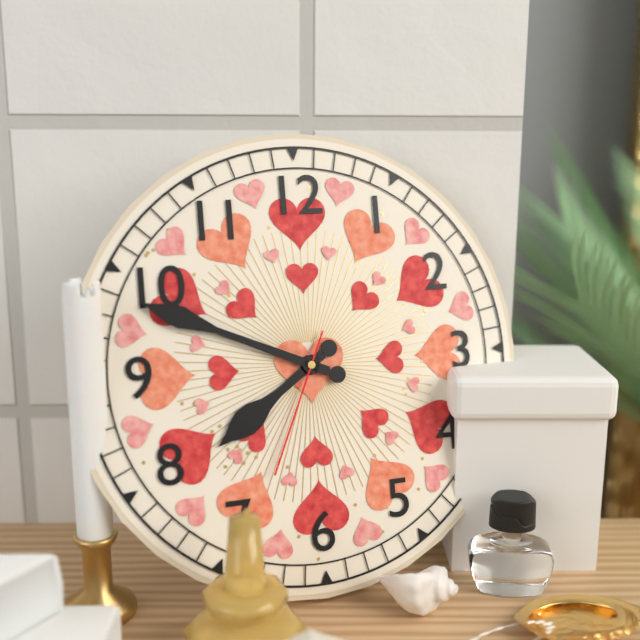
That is 7:49:34
